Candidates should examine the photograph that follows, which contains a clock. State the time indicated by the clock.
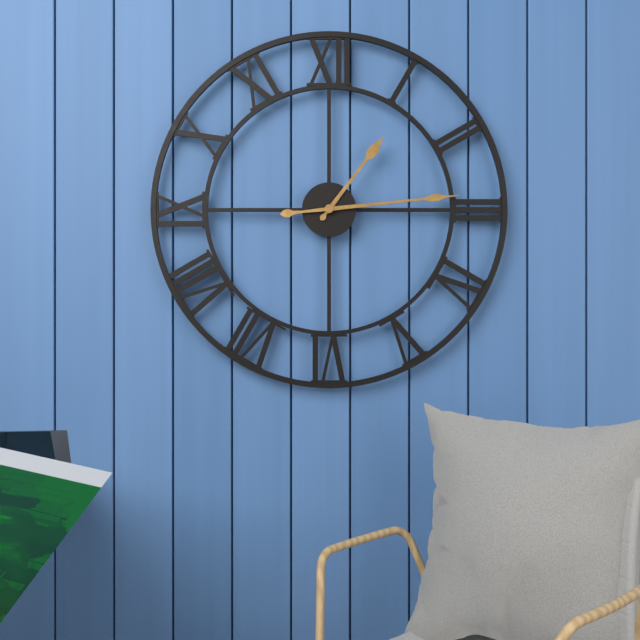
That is 1:14
